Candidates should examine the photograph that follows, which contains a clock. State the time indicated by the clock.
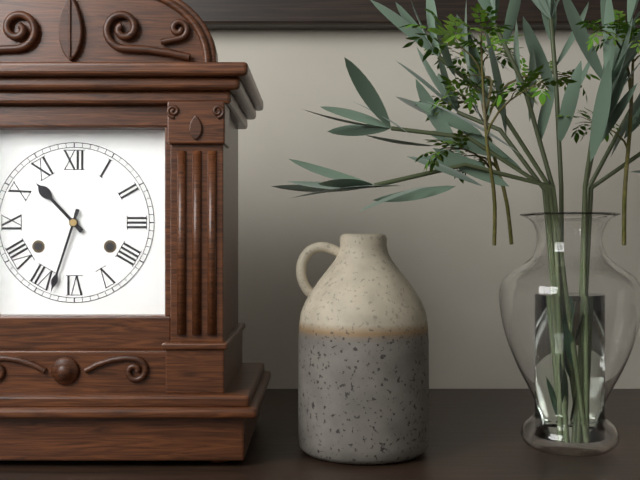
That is 10:33
